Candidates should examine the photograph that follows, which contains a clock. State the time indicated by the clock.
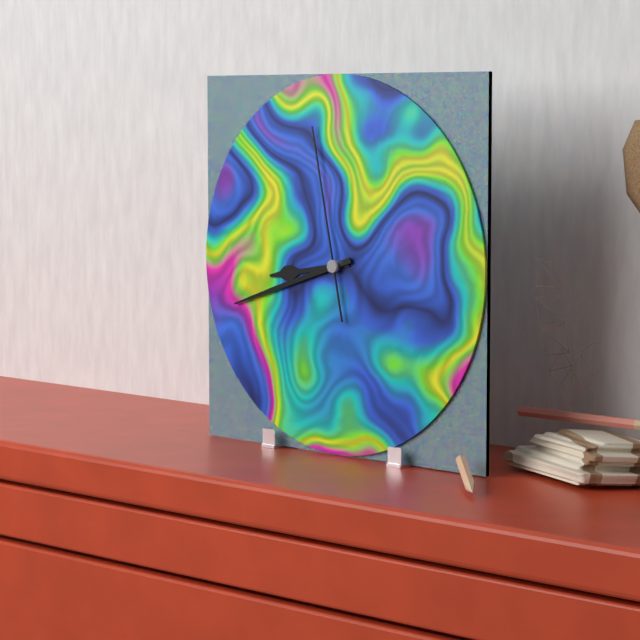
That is 8:42:58
